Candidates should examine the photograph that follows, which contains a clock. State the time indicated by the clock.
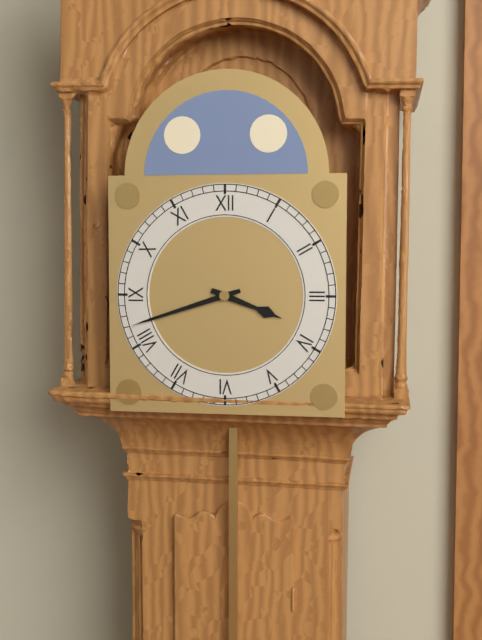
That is 3:42
